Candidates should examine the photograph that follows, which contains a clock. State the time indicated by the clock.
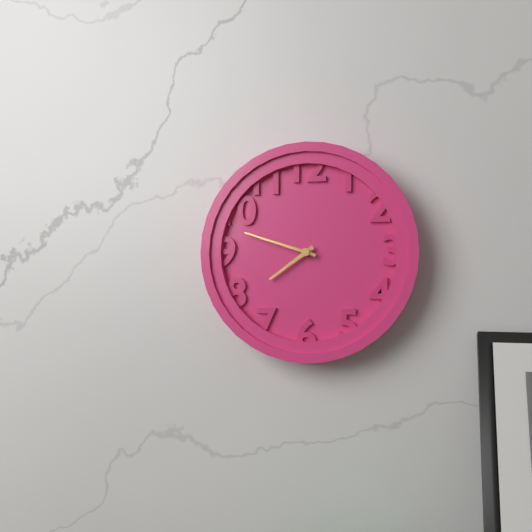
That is 7:48
